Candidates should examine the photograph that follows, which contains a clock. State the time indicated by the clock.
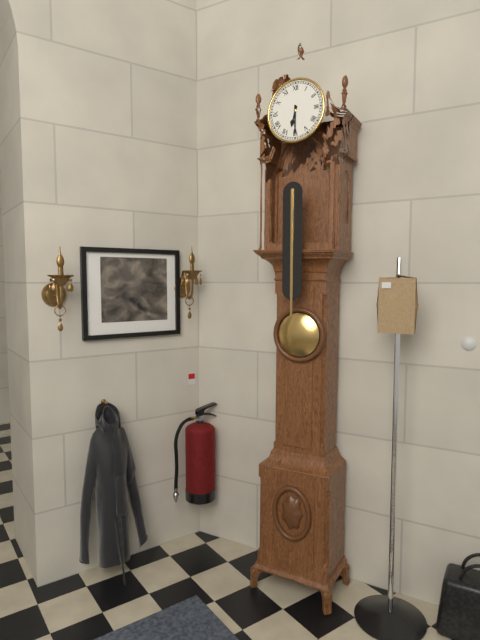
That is 6:30
